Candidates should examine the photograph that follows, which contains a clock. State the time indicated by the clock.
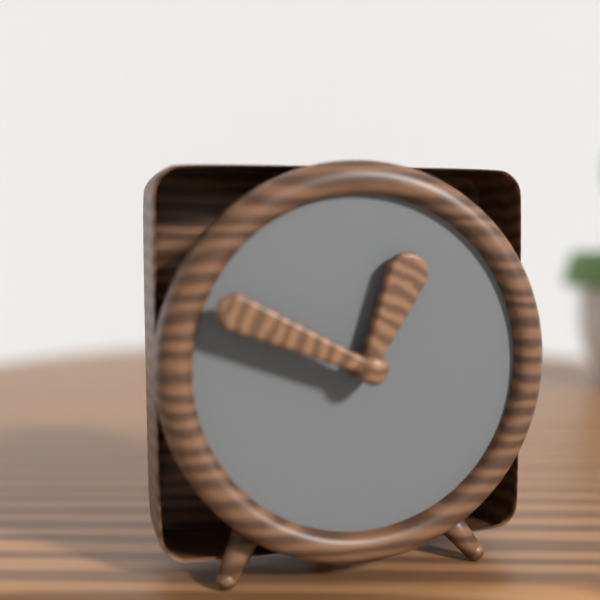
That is 12:49
